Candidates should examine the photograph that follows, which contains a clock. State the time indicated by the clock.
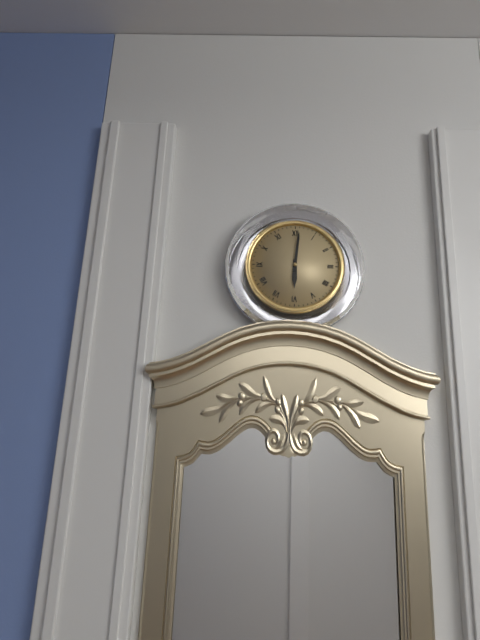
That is 6:01
